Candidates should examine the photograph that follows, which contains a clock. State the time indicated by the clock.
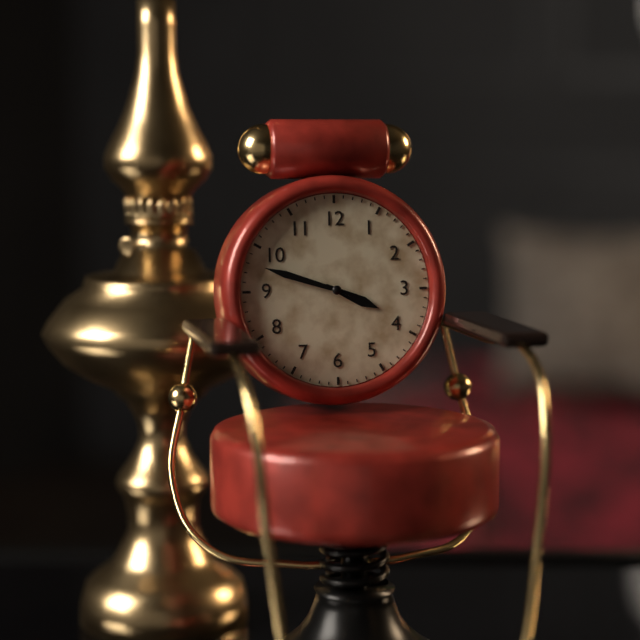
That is 3:48
